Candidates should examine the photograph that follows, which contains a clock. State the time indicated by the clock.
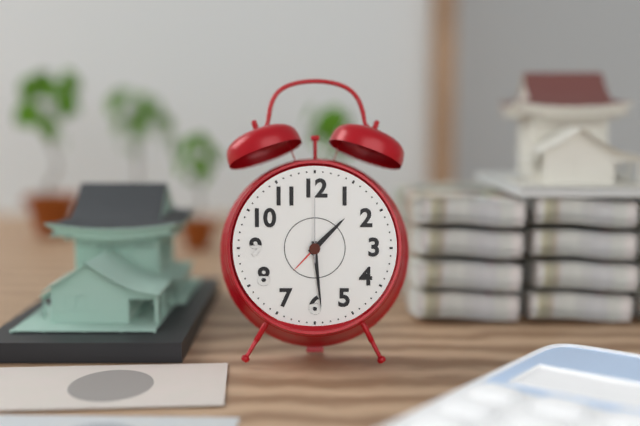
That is 1:29:00
